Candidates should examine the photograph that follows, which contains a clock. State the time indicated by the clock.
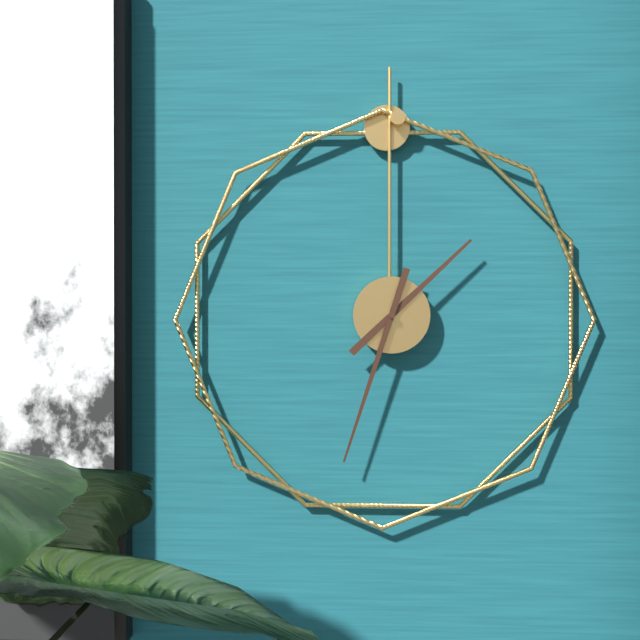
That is 1:33
